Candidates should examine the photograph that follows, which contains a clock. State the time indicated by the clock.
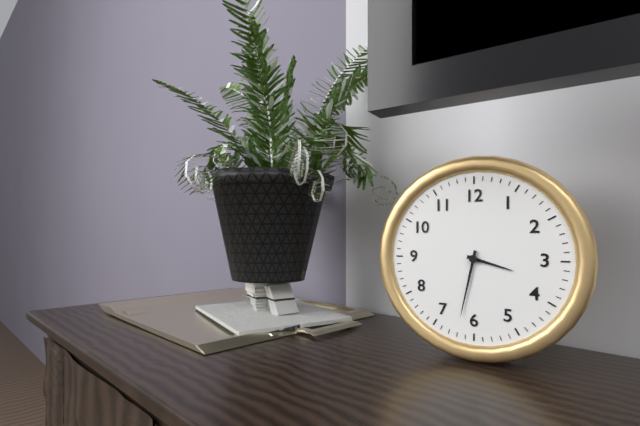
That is 3:32
